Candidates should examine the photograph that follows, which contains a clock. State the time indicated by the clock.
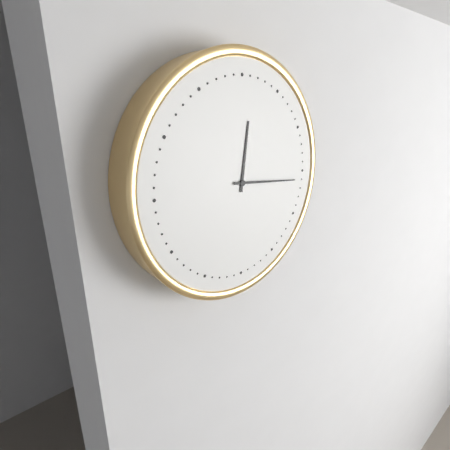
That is 12:16
